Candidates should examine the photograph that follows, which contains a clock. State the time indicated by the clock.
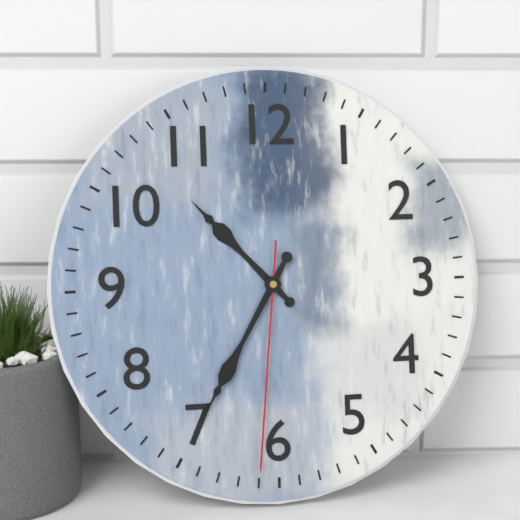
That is 10:35:31
